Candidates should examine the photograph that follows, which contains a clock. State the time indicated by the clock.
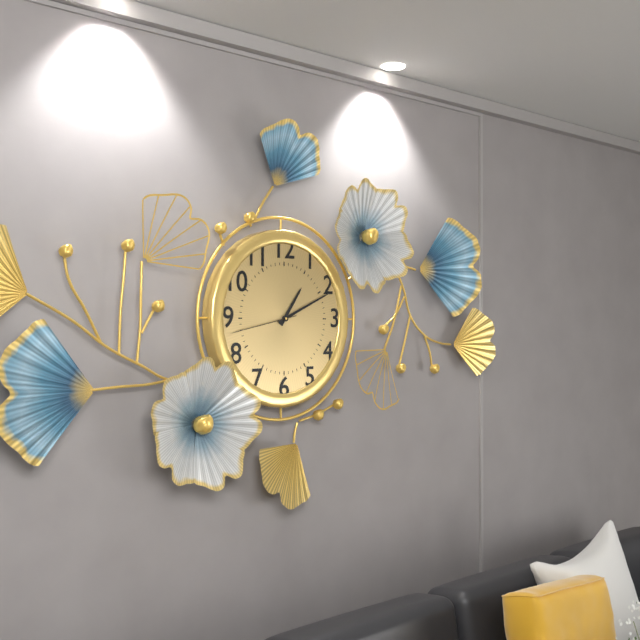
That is 1:11:43
